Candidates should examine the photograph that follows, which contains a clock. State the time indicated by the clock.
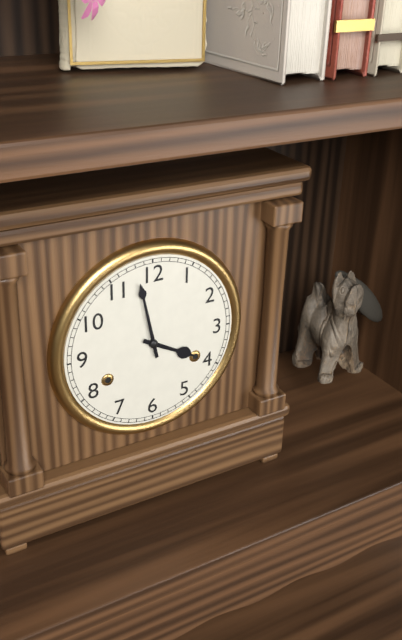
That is 3:58
